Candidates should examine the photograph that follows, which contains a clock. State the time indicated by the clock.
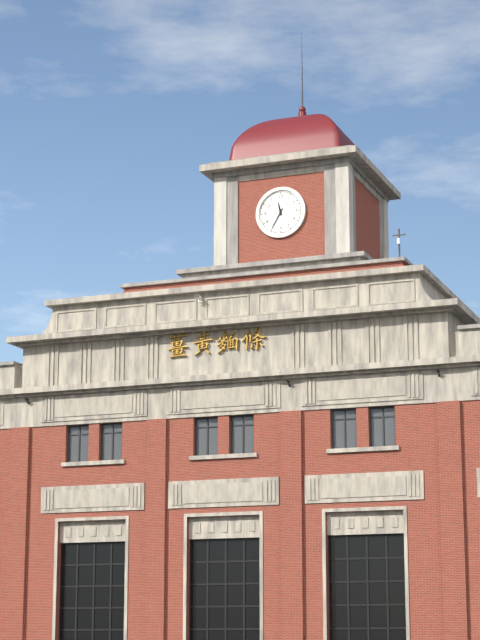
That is 11:35
